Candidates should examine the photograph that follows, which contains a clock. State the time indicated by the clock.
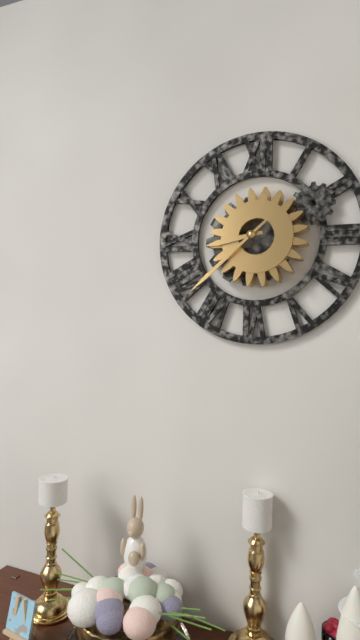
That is 8:38
